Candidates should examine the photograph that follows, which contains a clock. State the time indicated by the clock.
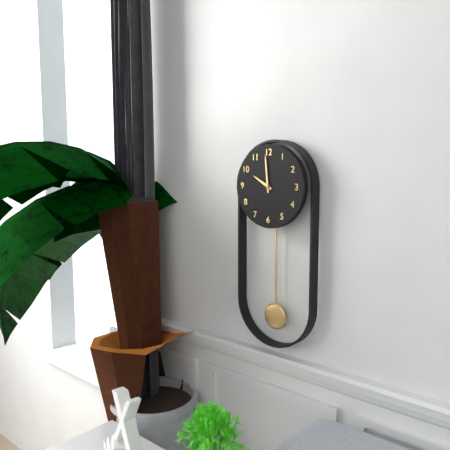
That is 9:59
